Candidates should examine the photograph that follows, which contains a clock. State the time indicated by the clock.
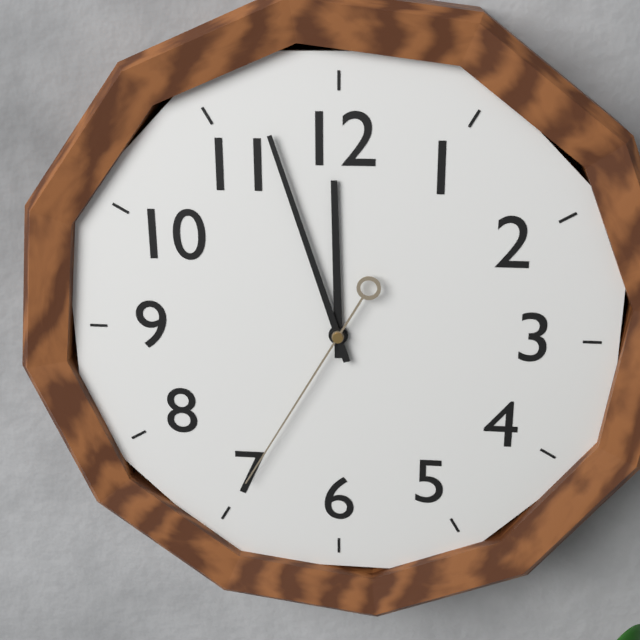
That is 11:57:35
